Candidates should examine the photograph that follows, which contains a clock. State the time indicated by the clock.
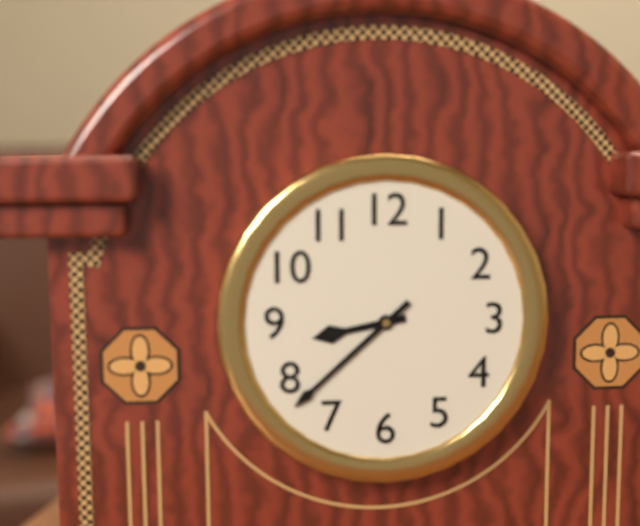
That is 8:38
